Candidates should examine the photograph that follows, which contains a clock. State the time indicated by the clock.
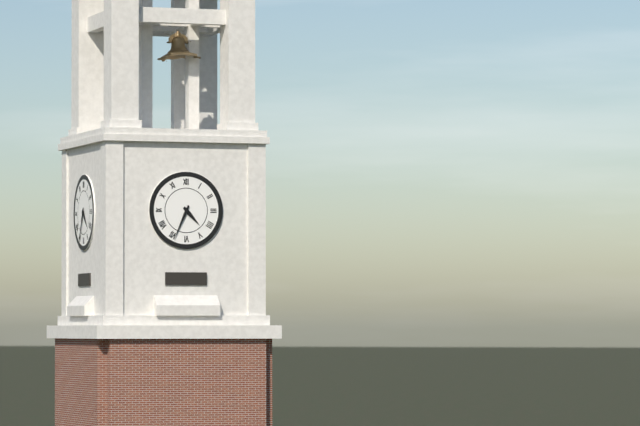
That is 4:34
